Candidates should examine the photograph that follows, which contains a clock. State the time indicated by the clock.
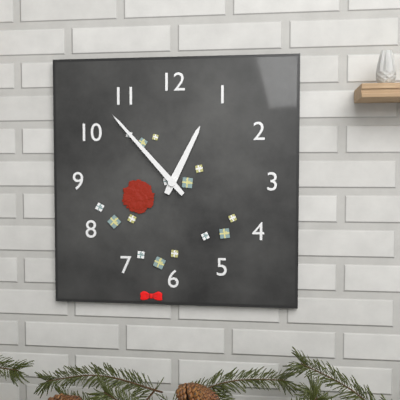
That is 12:53
